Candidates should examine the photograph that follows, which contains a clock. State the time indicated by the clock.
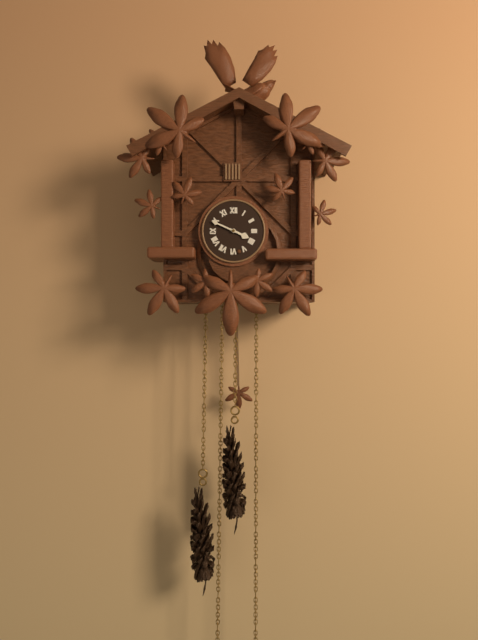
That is 3:49
